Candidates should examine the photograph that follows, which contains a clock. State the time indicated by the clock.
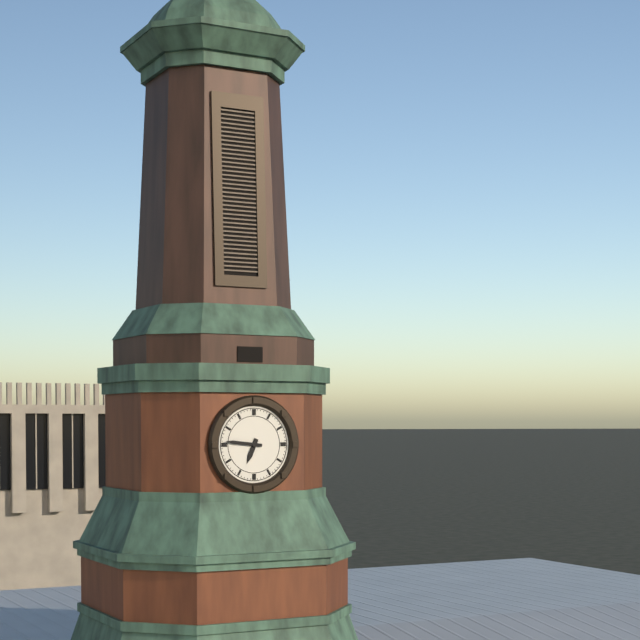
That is 6:46
